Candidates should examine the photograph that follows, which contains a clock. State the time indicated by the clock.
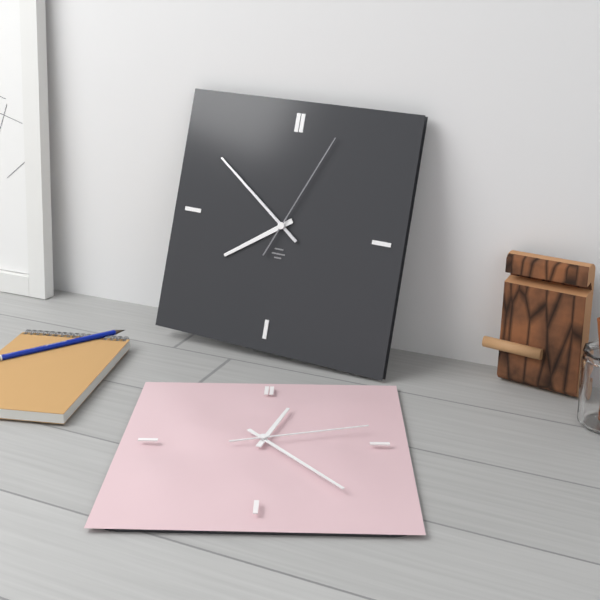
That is 7:51:04
